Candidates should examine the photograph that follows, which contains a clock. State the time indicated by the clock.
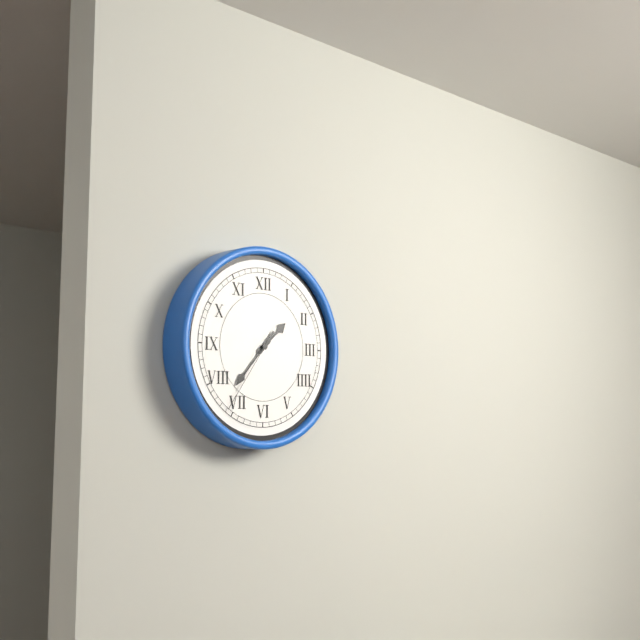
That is 1:37:36
